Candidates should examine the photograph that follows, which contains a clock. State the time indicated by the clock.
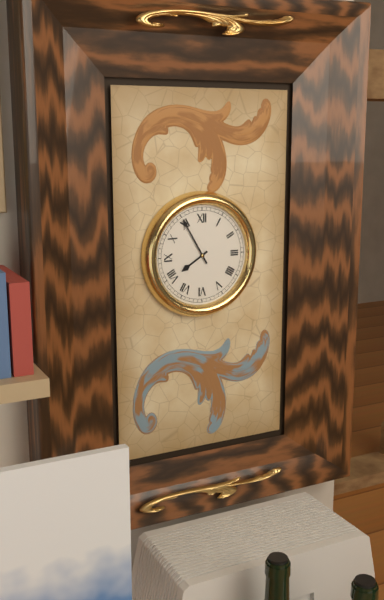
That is 7:55
